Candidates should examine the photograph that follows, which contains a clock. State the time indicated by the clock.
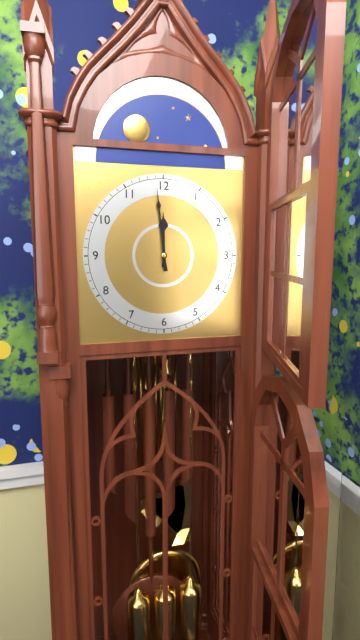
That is 11:59
